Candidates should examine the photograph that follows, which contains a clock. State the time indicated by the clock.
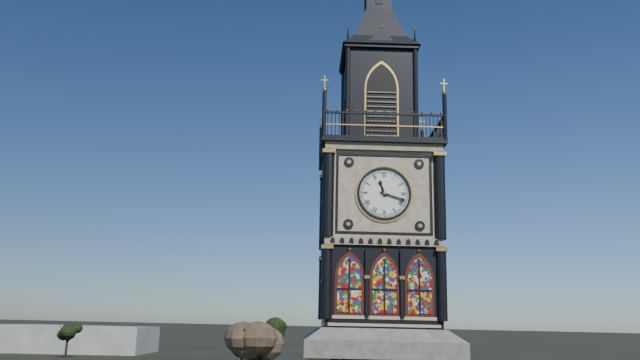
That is 11:18
